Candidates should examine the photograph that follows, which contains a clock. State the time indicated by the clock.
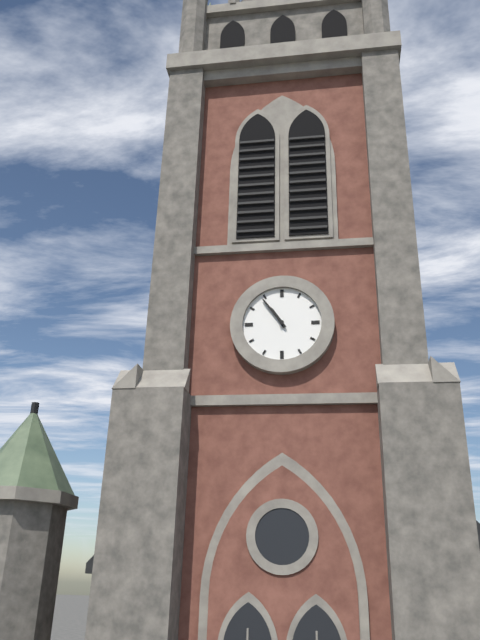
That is 10:54
